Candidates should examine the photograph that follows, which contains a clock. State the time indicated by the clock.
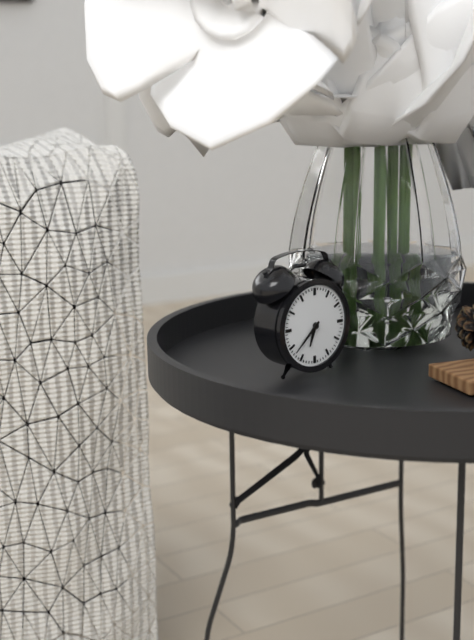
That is 6:38
